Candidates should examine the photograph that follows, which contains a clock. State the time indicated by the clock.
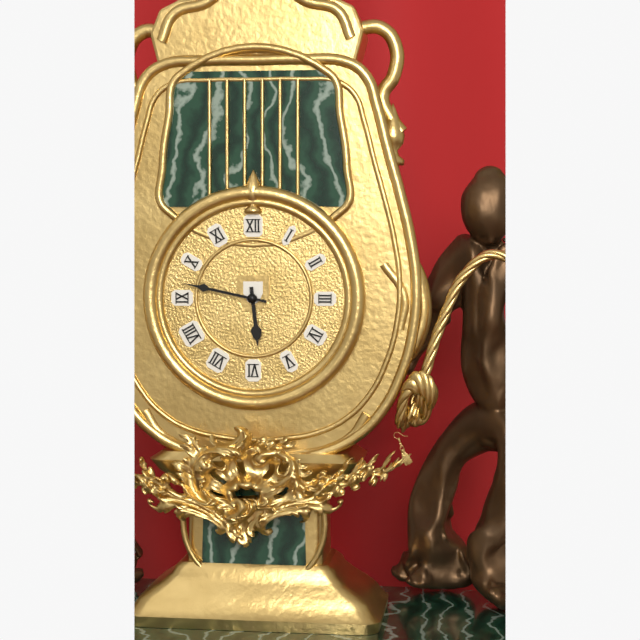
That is 5:47
